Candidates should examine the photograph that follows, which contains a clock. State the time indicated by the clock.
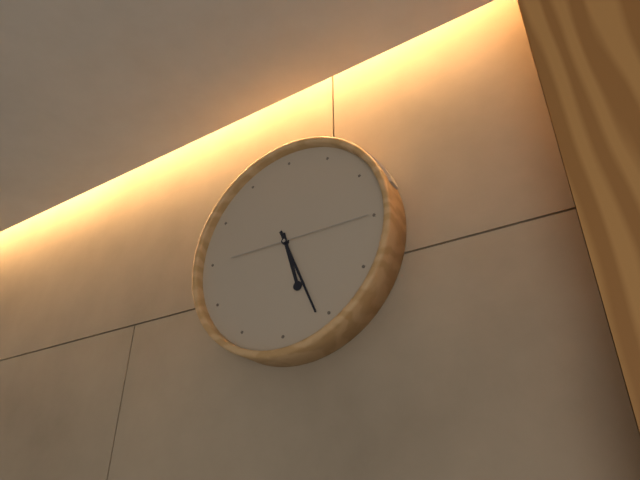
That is 5:26:15
